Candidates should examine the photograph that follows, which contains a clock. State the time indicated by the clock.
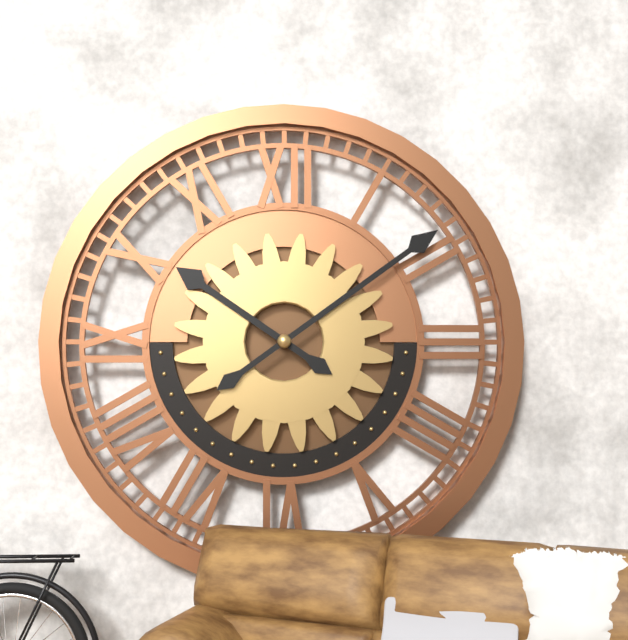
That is 10:09
